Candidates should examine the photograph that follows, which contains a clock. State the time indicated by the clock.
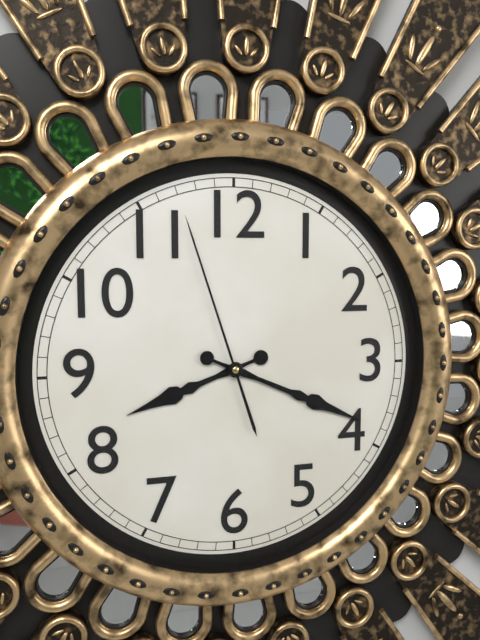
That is 8:19:57
